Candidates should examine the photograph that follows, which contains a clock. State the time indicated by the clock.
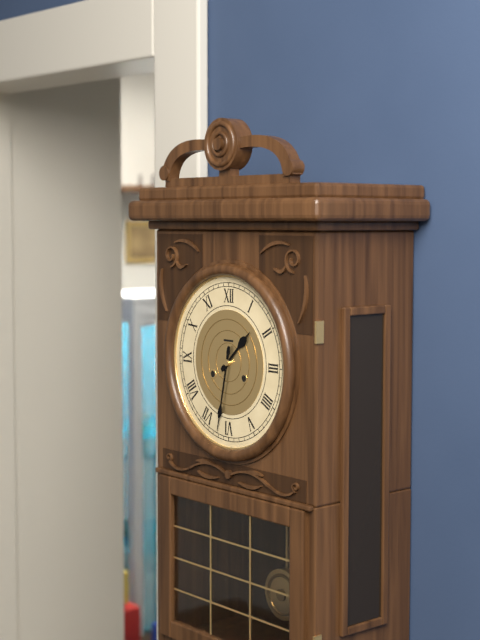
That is 1:32
